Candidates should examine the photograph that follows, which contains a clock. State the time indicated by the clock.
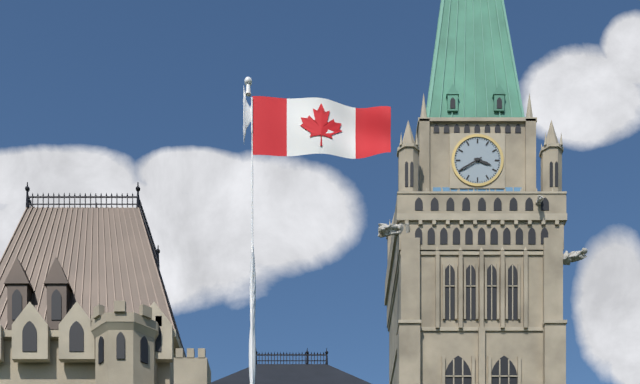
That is 3:40
